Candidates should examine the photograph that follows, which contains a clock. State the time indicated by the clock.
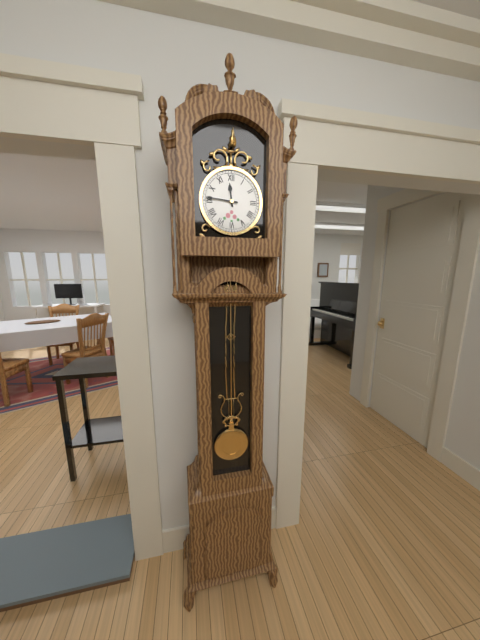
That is 11:46
